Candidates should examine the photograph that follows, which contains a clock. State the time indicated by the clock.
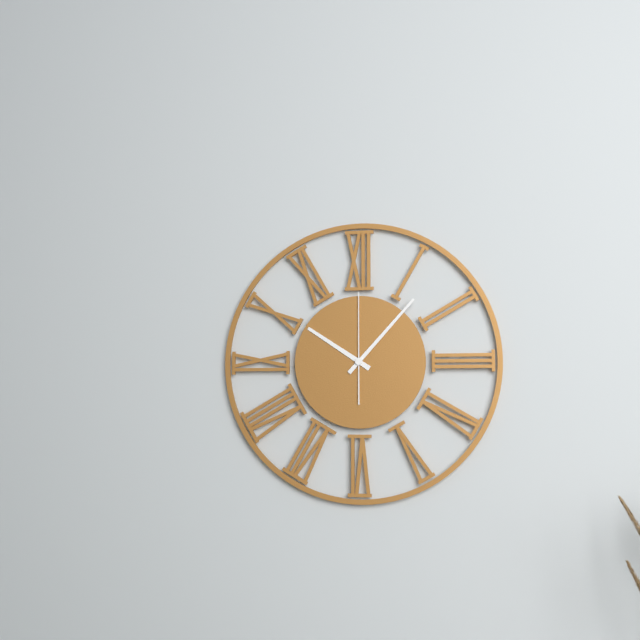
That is 10:07:00
